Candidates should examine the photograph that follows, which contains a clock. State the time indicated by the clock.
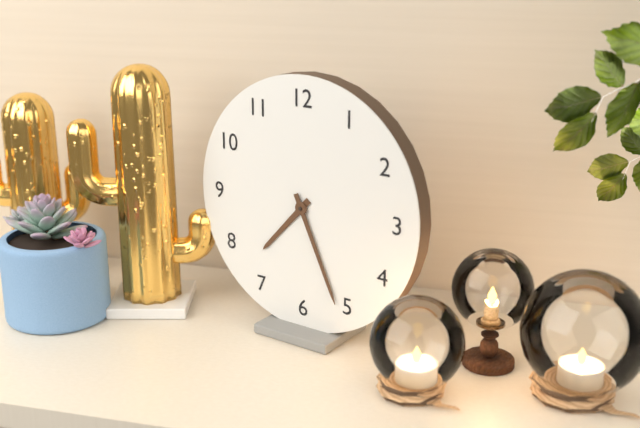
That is 7:26
